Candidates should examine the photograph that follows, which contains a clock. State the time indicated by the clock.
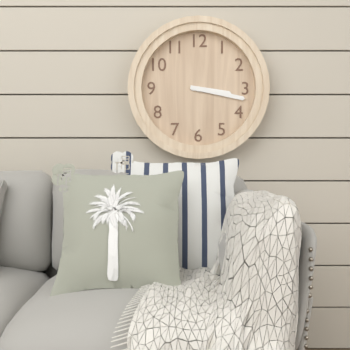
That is 3:17
